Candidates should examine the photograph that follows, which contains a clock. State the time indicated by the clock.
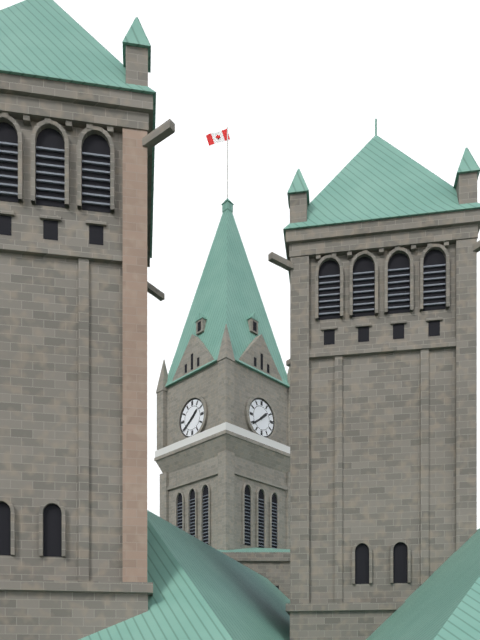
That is 1:39
